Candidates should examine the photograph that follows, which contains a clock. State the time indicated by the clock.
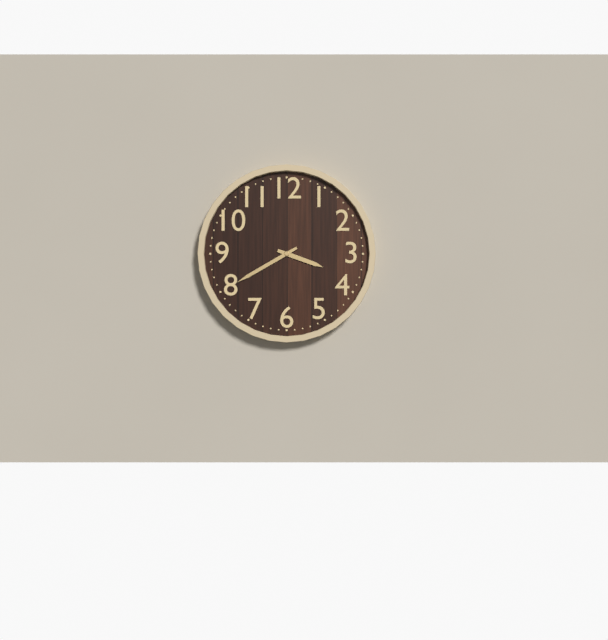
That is 3:40
